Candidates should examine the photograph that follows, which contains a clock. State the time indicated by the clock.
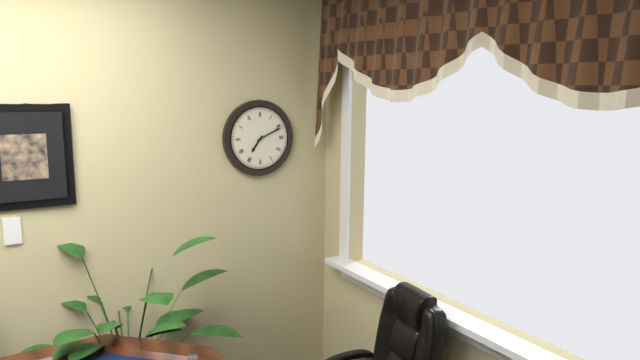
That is 7:11
